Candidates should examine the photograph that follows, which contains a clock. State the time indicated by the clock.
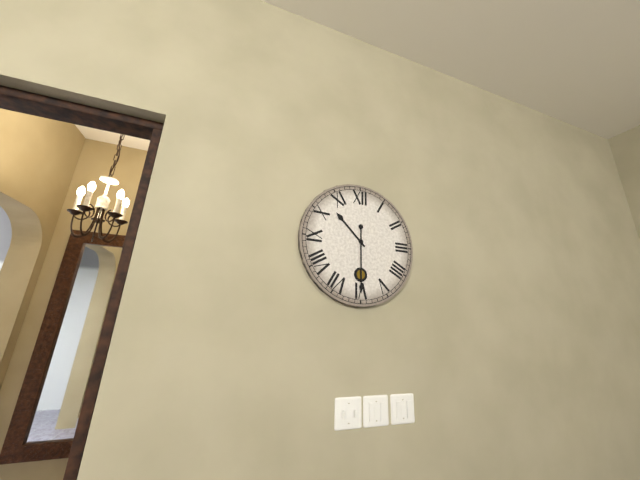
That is 10:30
